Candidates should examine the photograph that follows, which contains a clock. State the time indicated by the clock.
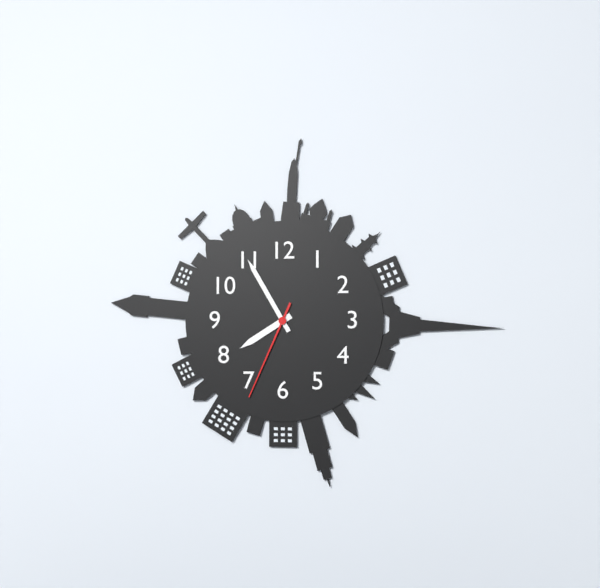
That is 7:55:34
